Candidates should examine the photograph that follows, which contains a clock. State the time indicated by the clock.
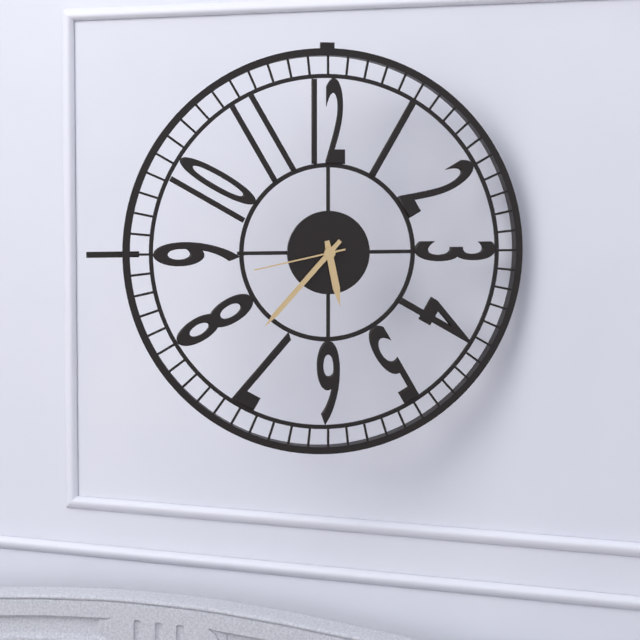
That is 5:37:43
